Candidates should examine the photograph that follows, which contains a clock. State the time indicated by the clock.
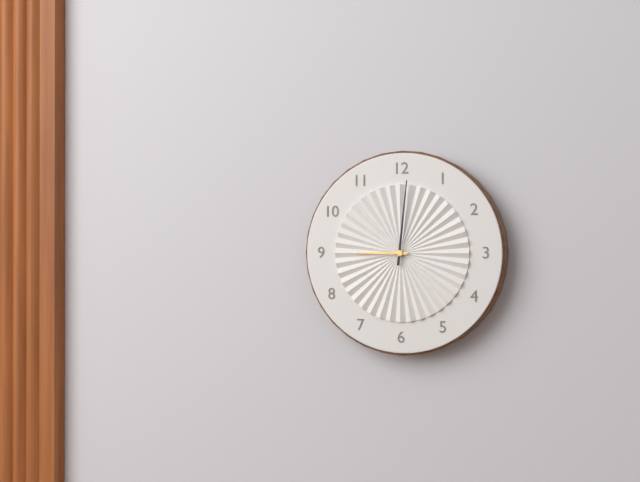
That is 9:01
